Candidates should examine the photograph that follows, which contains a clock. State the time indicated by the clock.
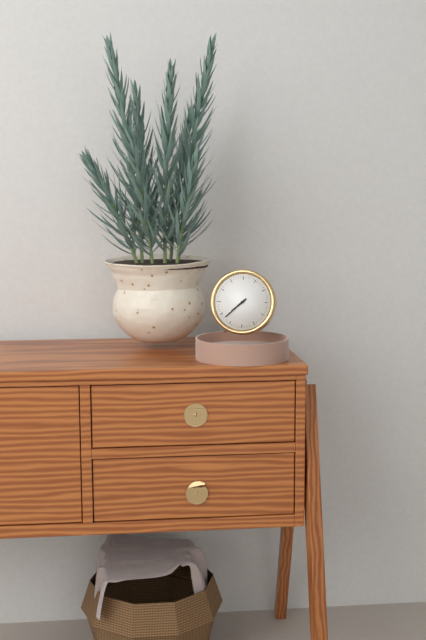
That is 7:38
